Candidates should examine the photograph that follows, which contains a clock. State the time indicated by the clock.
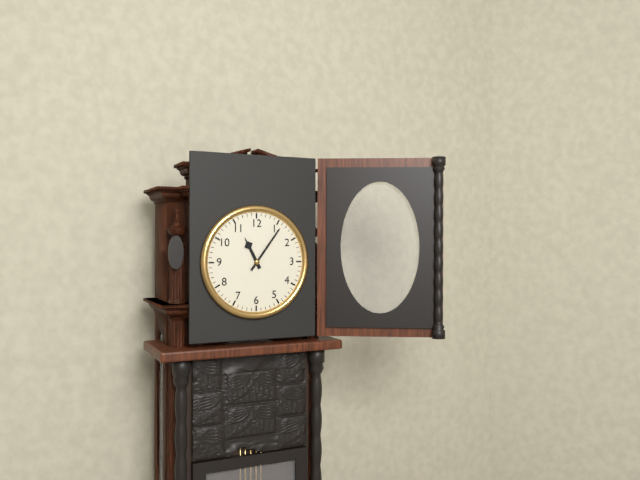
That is 11:06
